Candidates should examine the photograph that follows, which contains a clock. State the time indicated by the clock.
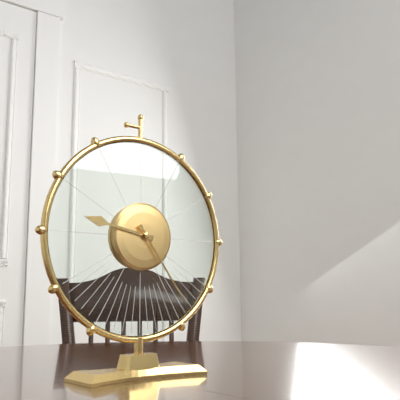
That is 9:24
